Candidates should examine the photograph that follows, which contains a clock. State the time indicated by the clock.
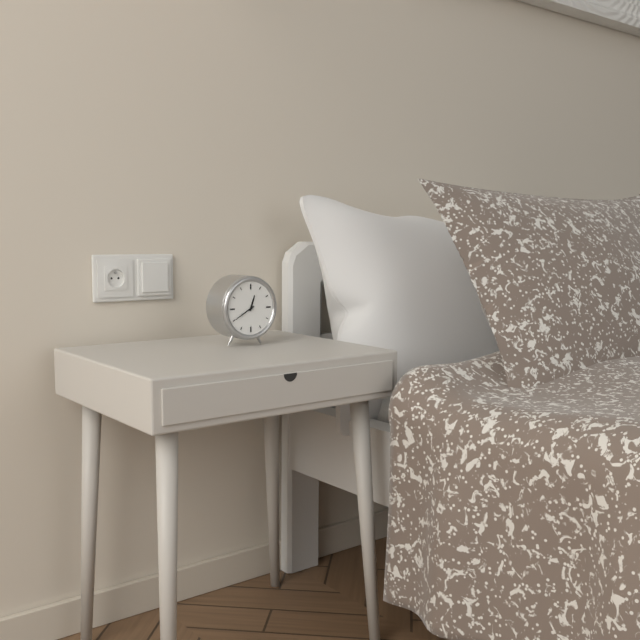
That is 12:40
